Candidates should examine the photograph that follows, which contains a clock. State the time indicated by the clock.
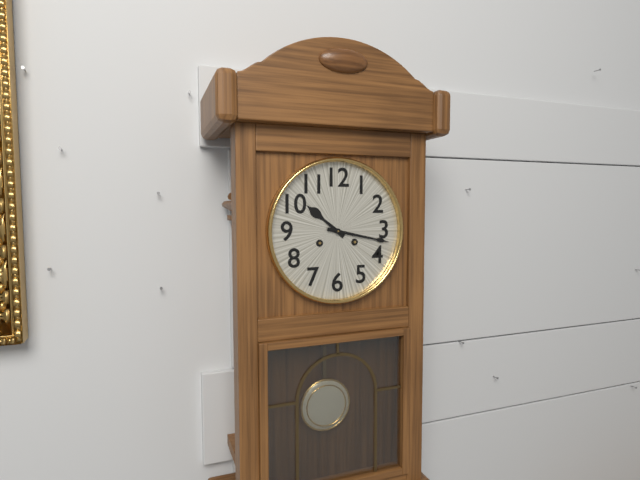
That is 10:17
